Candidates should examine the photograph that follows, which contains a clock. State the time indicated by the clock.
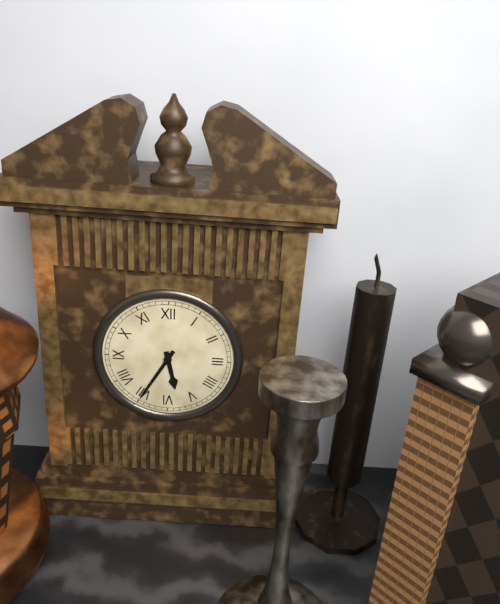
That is 5:35
